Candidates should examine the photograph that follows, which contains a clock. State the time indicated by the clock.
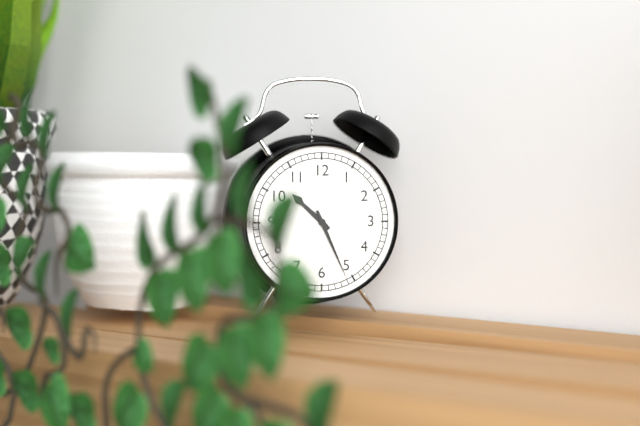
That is 10:26
